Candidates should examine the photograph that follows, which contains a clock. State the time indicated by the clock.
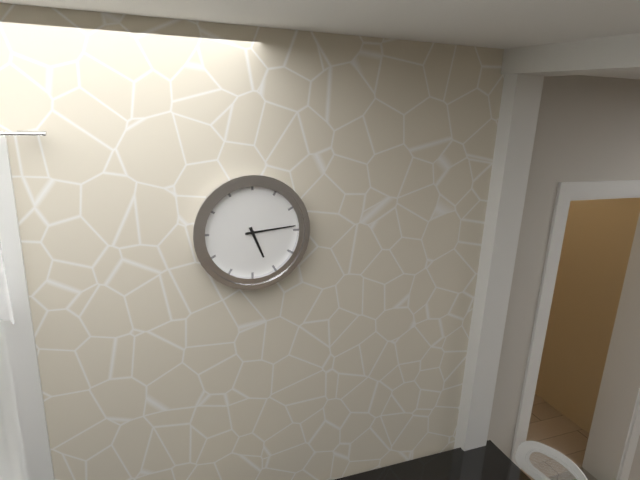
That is 5:14
